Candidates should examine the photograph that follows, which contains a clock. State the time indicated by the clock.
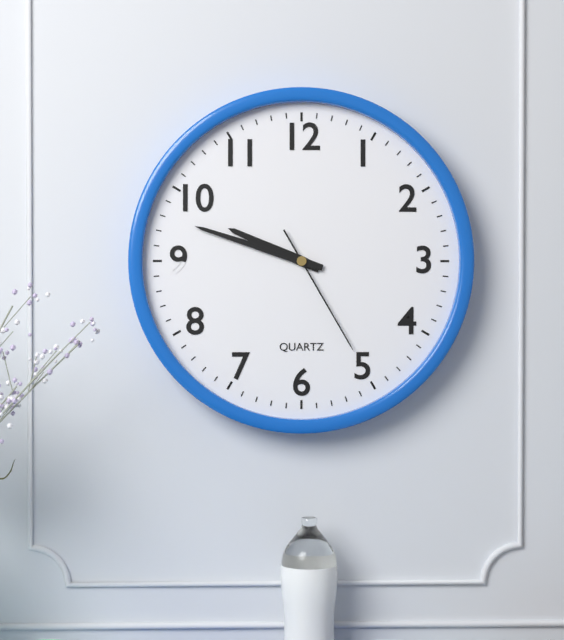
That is 9:48:25
